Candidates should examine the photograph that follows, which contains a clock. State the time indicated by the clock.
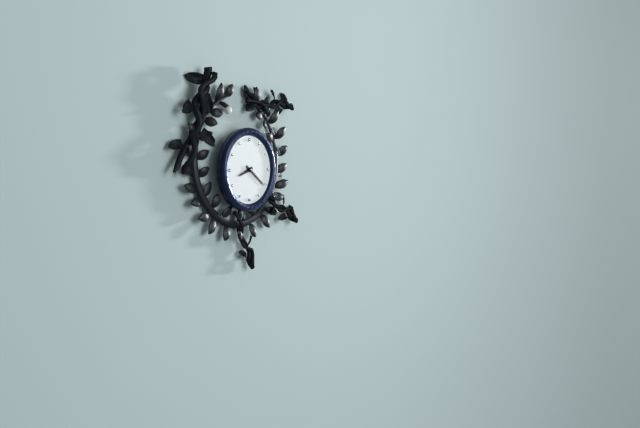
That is 8:21
